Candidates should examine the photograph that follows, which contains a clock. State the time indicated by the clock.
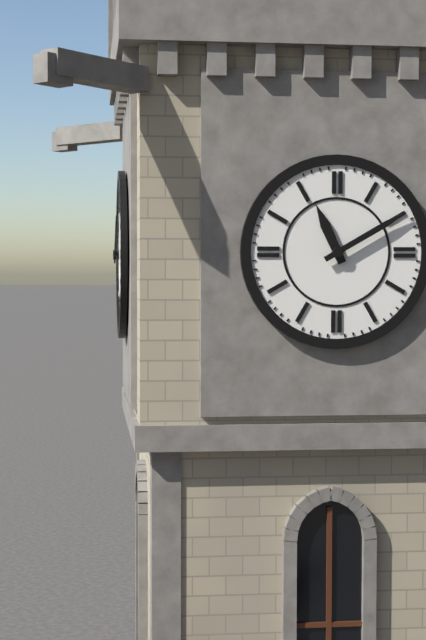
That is 11:10
